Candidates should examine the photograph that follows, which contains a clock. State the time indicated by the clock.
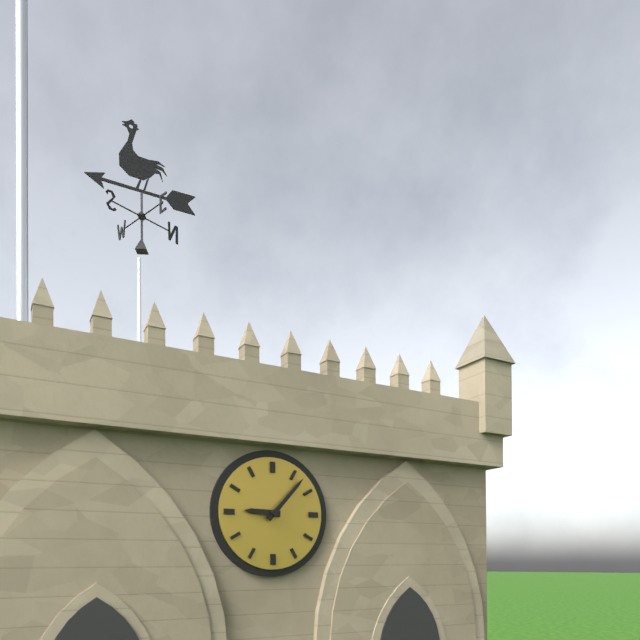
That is 9:07
